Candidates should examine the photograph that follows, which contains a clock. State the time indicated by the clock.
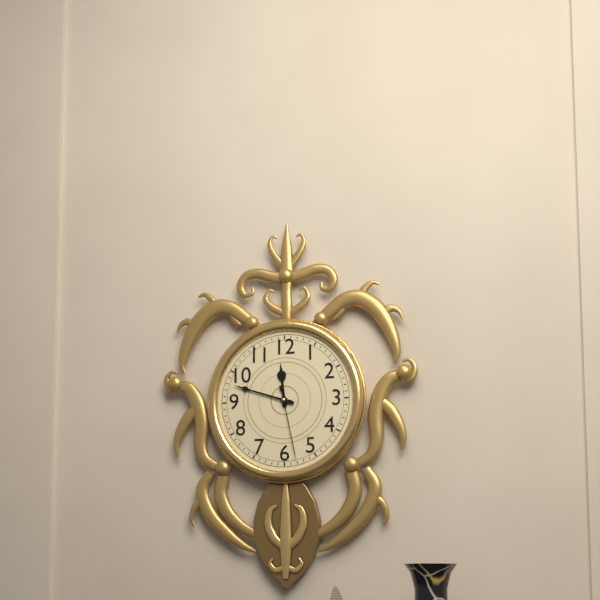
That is 11:48:28
